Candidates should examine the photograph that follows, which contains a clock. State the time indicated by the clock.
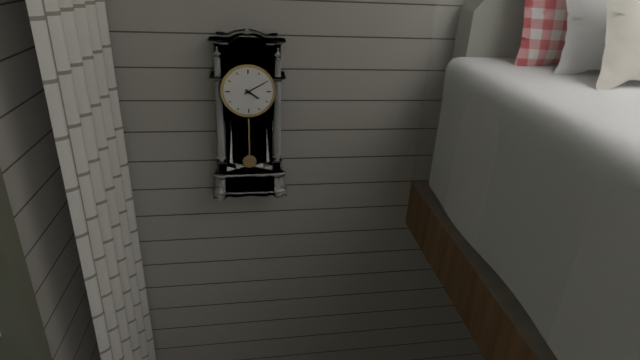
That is 4:10
